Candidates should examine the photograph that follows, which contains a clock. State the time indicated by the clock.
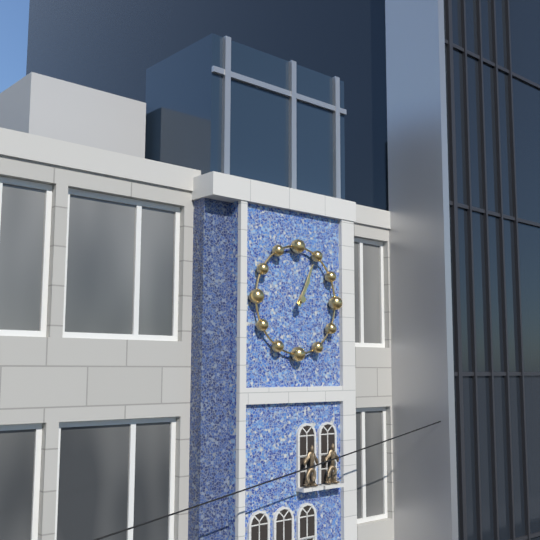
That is 1:04
